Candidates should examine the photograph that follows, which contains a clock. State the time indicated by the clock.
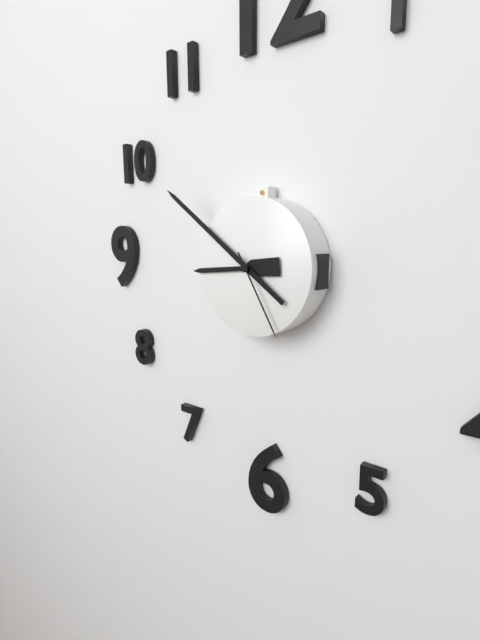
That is 8:51:25
